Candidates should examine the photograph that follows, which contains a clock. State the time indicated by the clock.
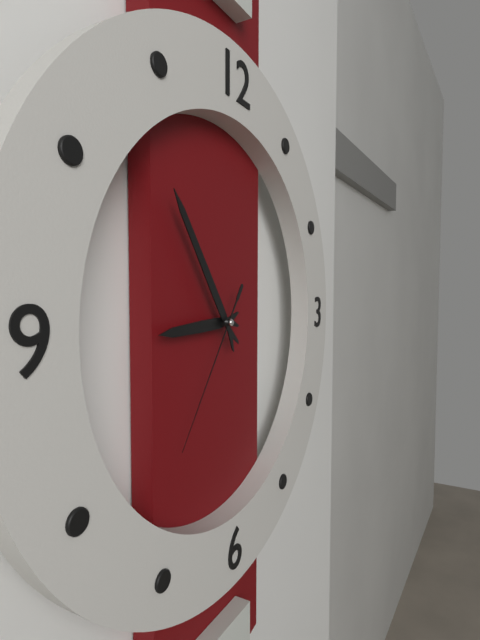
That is 8:54:36
